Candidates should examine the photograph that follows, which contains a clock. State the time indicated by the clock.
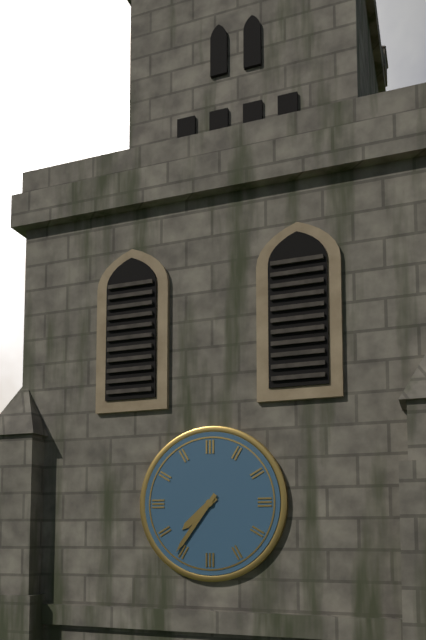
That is 7:36
